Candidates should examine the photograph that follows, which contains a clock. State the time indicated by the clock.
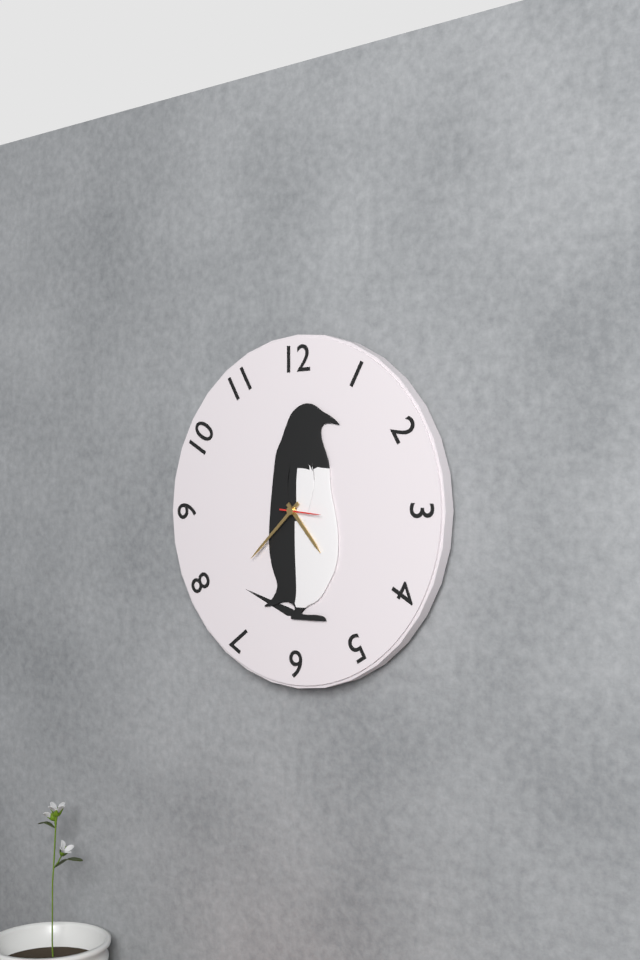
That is 4:38
